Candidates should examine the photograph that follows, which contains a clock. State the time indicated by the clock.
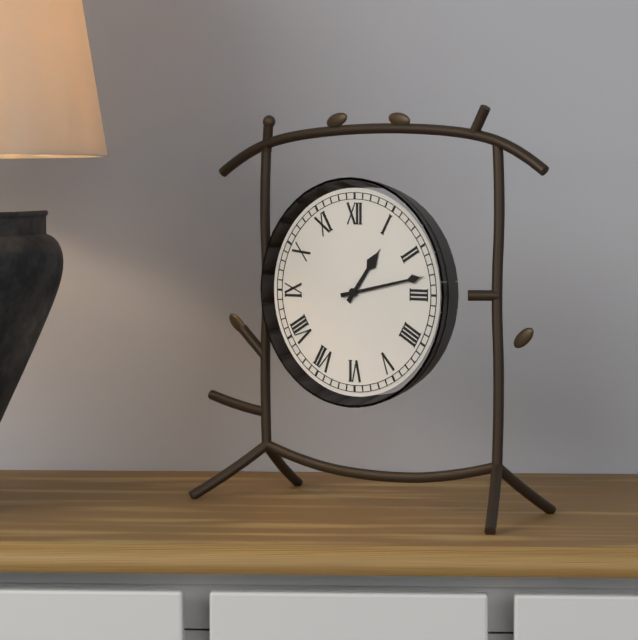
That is 1:13
